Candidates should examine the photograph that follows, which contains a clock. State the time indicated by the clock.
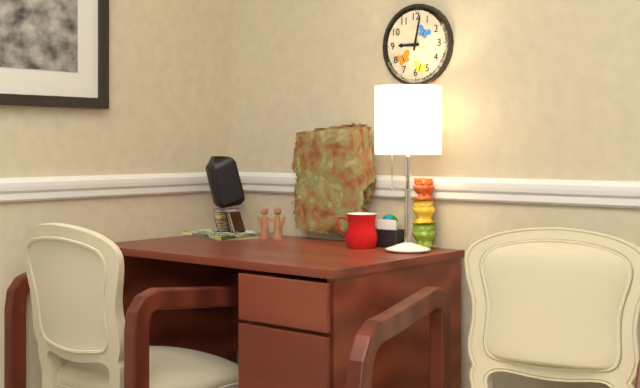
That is 9:02
